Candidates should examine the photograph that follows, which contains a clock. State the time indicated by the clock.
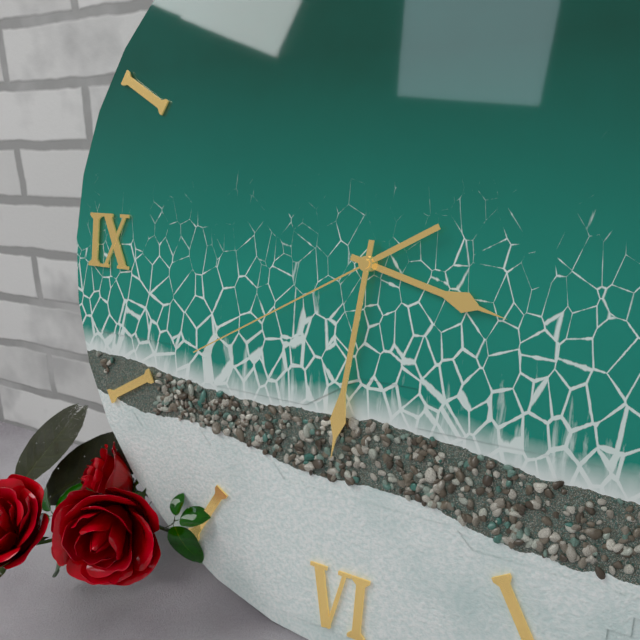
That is 3:31:40
